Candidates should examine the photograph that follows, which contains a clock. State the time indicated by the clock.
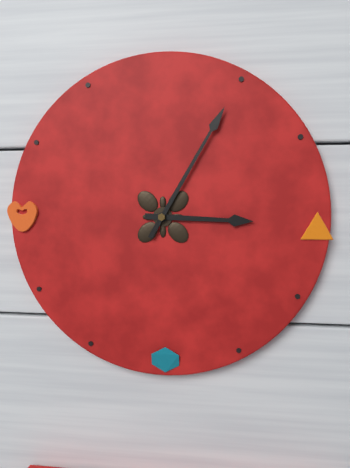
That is 3:05
